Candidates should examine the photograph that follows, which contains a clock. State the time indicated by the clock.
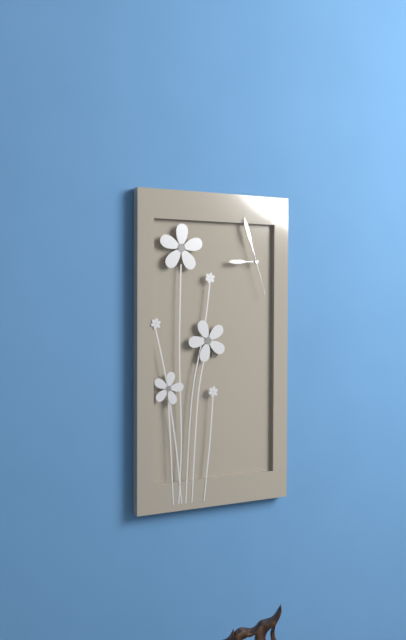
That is 8:57
